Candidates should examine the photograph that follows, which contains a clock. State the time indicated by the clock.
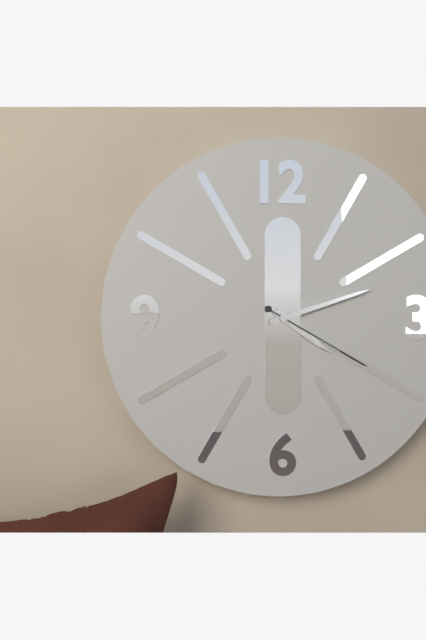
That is 4:12:20
